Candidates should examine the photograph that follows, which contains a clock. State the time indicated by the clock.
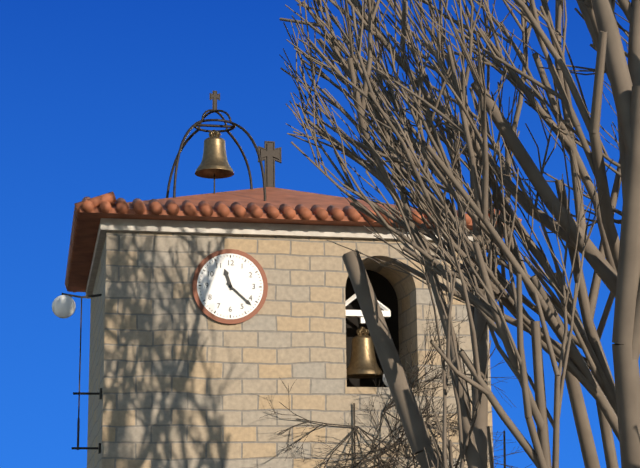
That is 11:22
